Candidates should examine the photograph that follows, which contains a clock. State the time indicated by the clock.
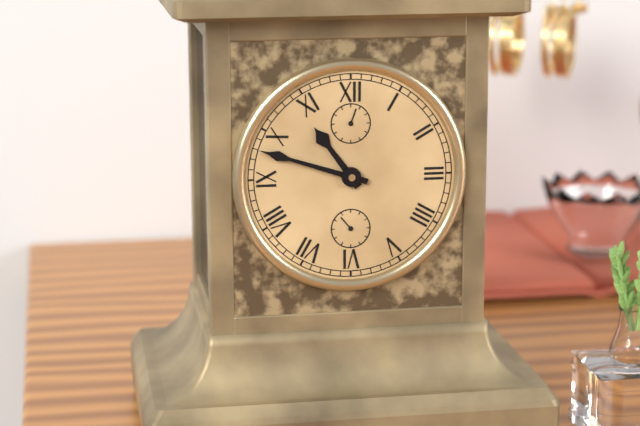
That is 10:48
